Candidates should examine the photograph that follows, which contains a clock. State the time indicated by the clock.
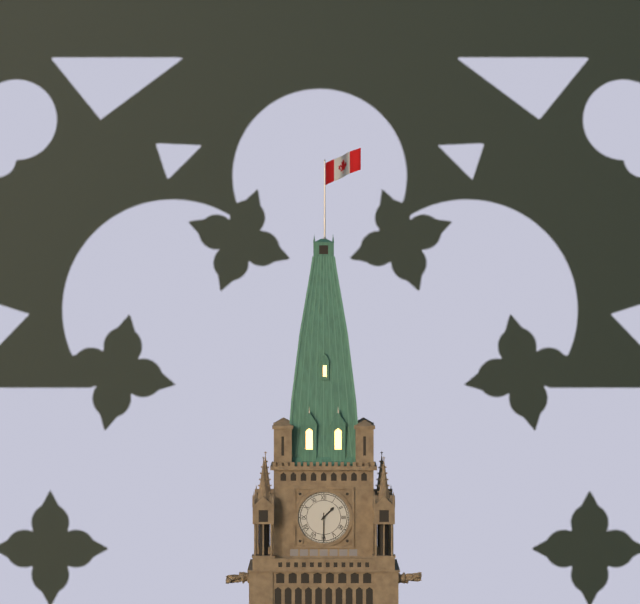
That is 1:30
